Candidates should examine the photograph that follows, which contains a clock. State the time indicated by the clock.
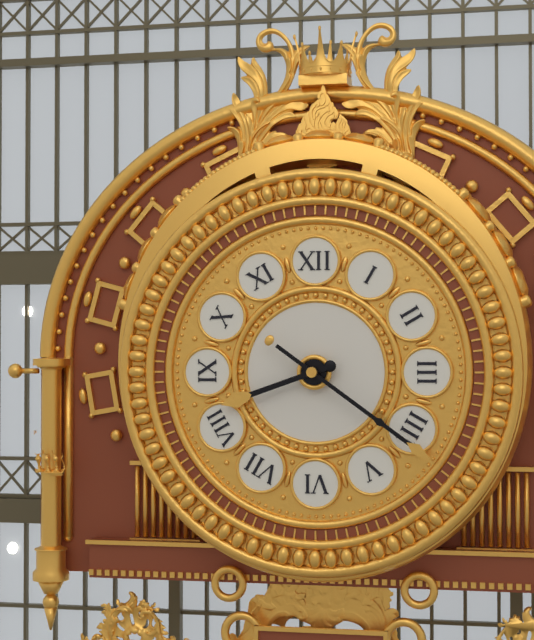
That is 8:21
